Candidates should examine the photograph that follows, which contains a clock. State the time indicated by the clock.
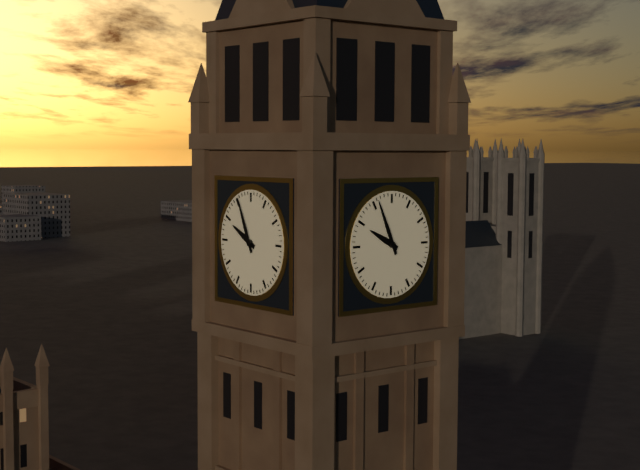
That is 9:56
